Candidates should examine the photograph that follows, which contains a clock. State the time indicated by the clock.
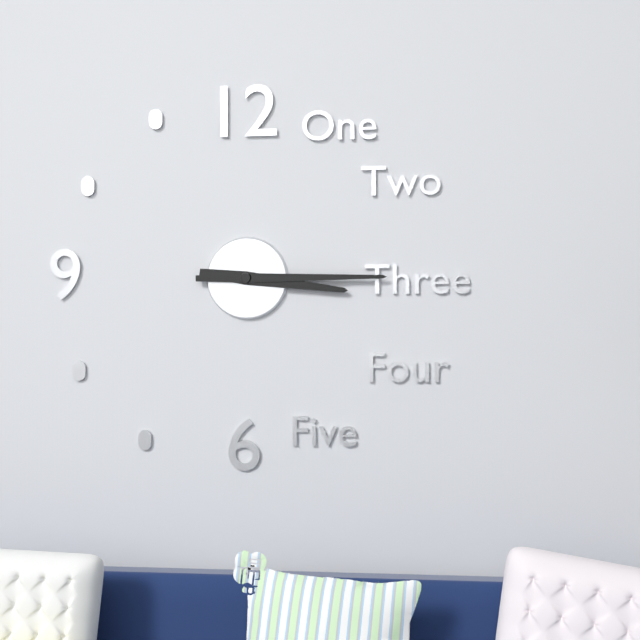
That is 3:15
